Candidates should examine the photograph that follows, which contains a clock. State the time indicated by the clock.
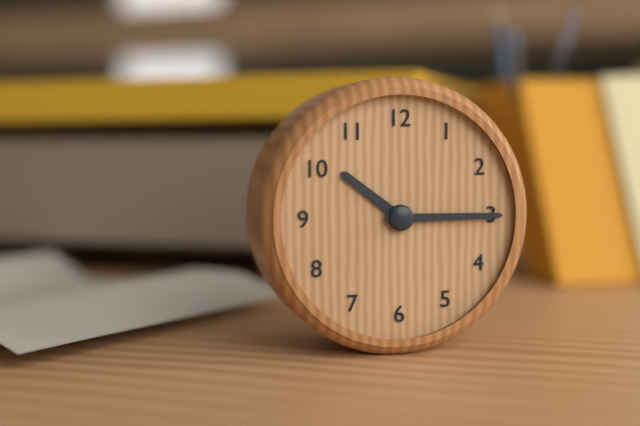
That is 10:15
